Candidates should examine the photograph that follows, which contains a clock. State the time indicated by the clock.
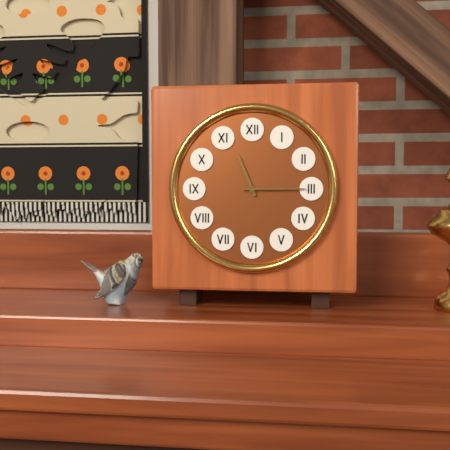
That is 11:15
